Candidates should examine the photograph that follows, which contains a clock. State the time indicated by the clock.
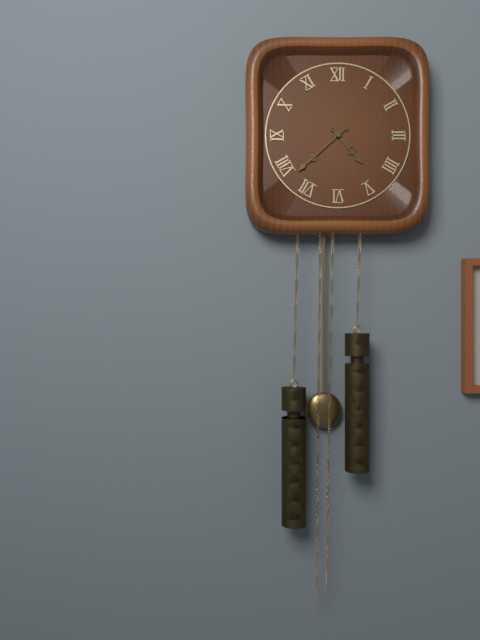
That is 4:38
